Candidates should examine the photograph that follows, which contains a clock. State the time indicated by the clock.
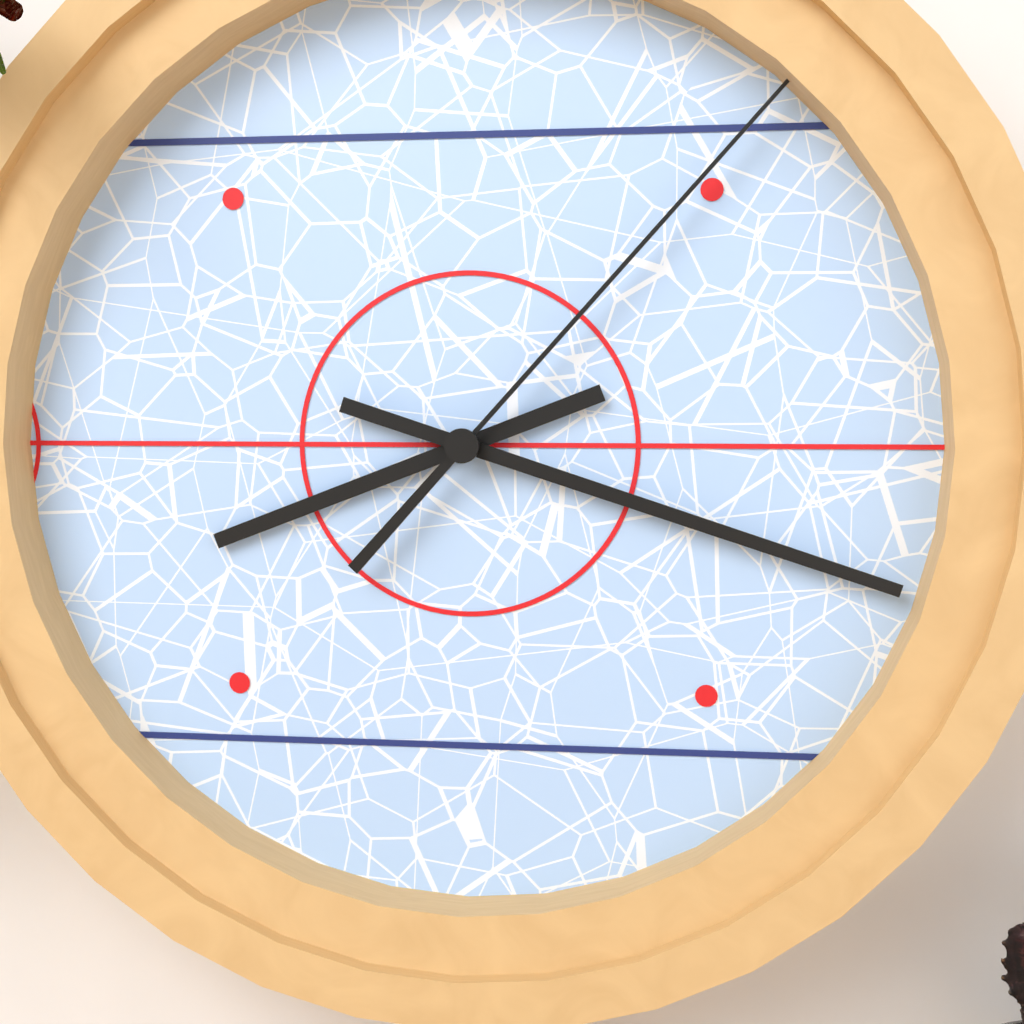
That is 8:18:07
